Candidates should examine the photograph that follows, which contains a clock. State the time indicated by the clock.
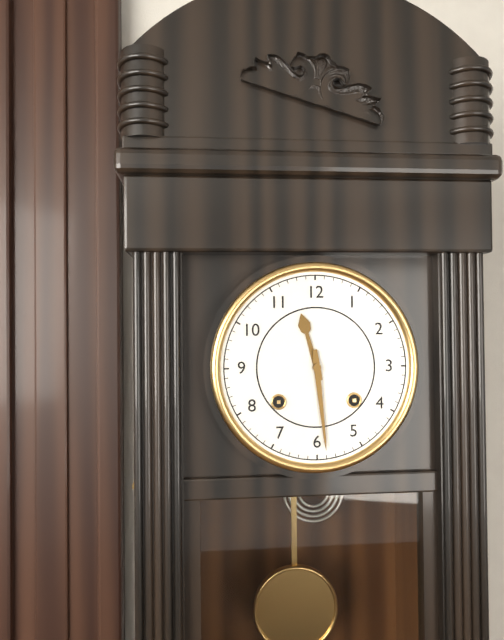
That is 11:29
